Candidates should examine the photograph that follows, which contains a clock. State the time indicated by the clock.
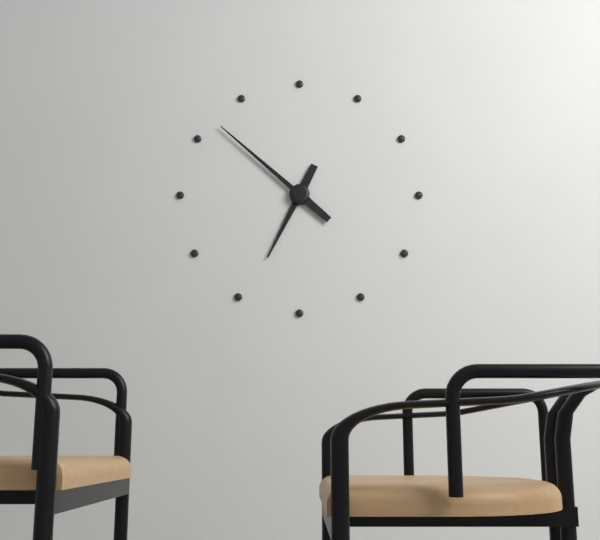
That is 6:52
